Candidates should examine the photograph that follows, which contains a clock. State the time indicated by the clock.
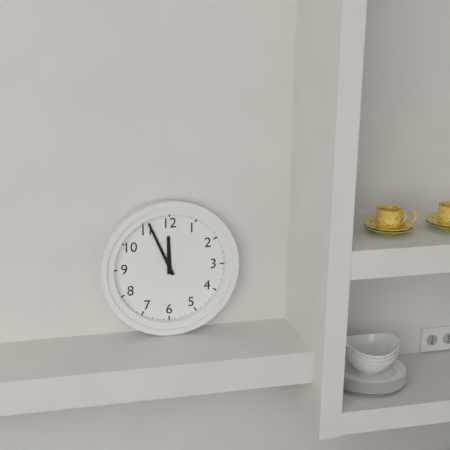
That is 11:56
